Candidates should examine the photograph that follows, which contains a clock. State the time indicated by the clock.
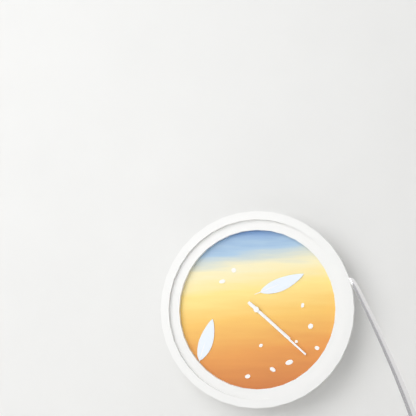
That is 4:22
